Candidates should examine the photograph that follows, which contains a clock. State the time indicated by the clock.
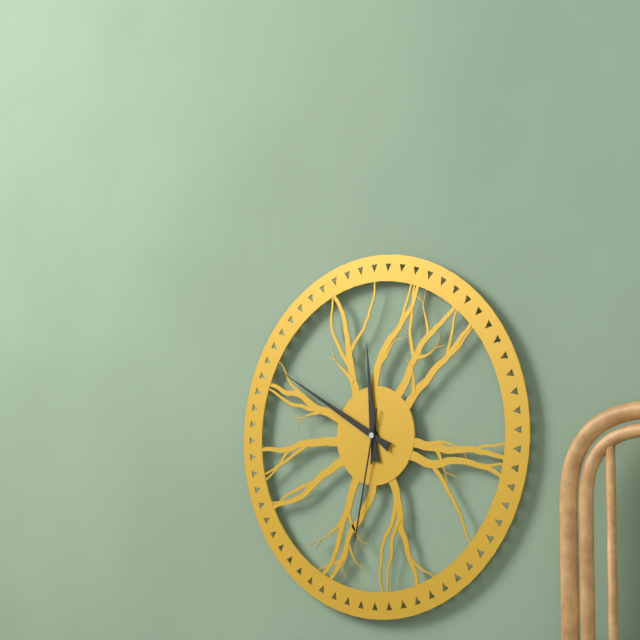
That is 11:50:32
